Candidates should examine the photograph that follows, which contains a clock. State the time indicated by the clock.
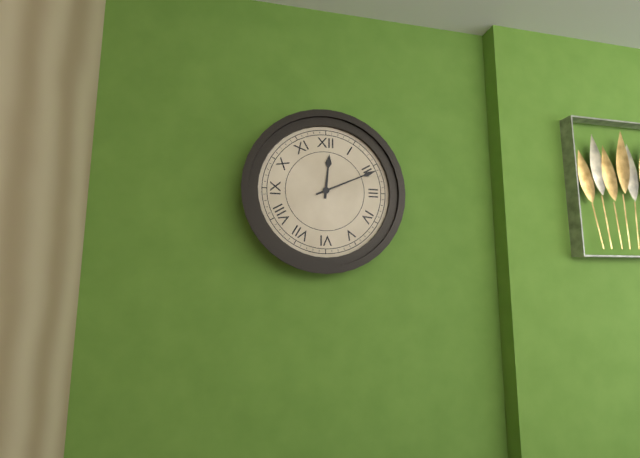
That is 12:11
